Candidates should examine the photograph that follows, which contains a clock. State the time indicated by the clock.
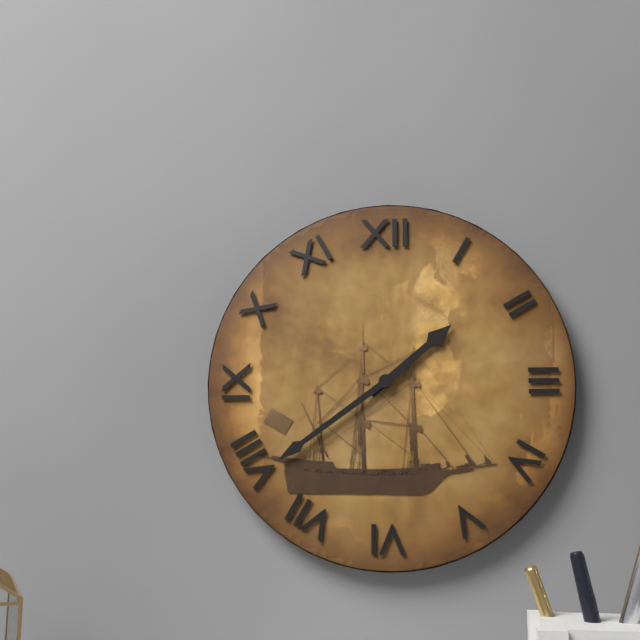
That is 1:39
